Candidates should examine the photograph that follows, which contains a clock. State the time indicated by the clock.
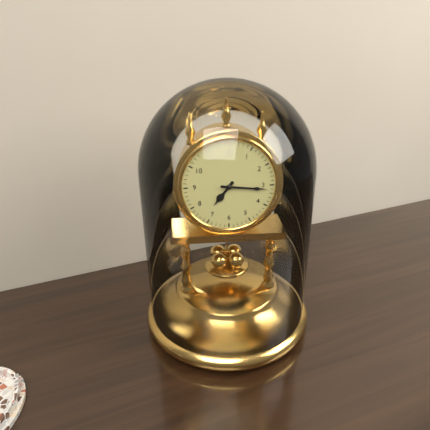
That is 7:16
